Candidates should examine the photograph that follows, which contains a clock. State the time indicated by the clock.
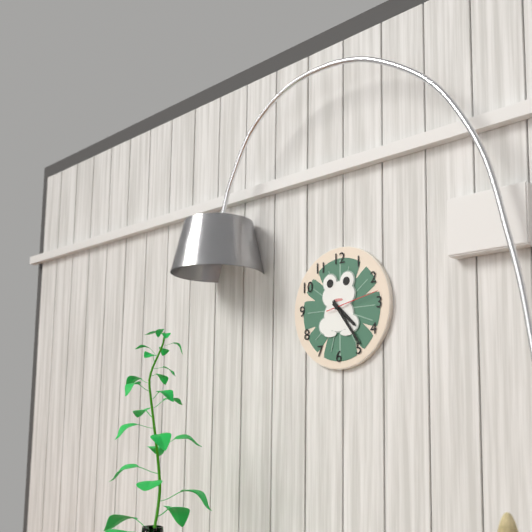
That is 4:24:13
